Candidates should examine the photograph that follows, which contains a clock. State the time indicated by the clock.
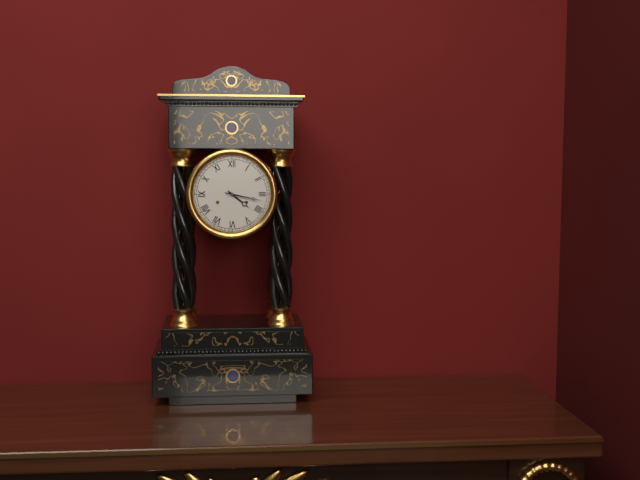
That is 4:17
